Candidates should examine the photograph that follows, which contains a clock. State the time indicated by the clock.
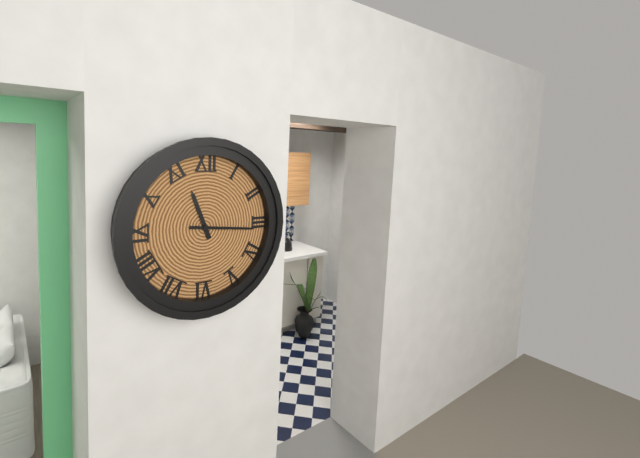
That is 11:16
